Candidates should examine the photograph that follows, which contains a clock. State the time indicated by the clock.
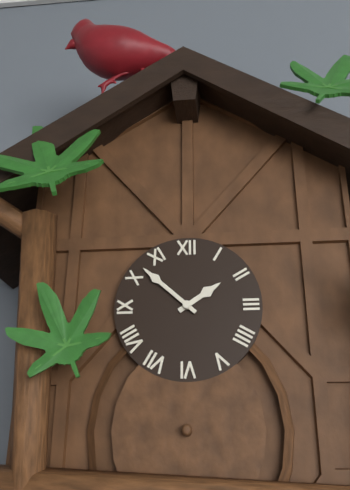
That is 1:52
